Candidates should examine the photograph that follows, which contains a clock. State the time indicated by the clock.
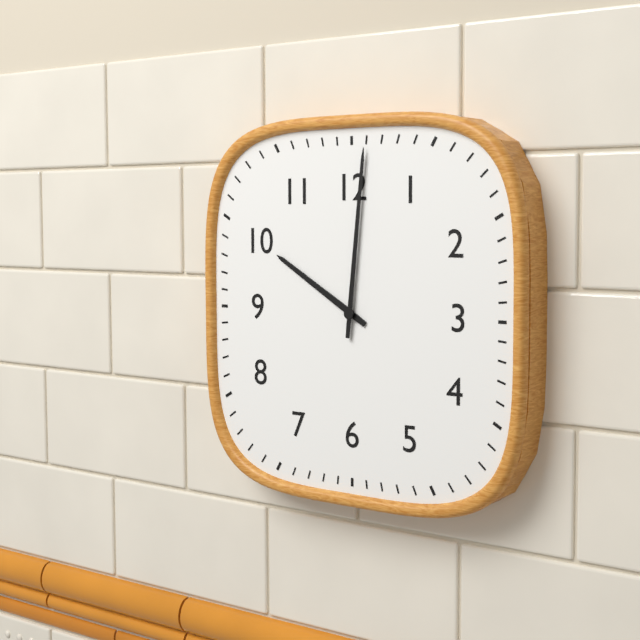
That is 10:01
